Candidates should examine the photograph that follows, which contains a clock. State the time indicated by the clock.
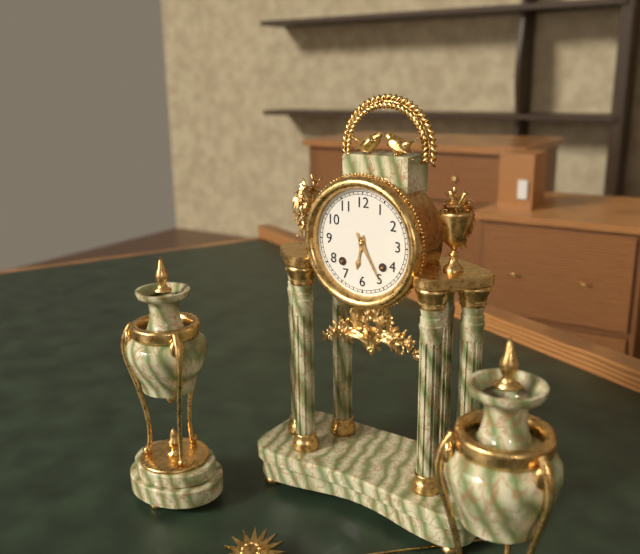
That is 6:25
